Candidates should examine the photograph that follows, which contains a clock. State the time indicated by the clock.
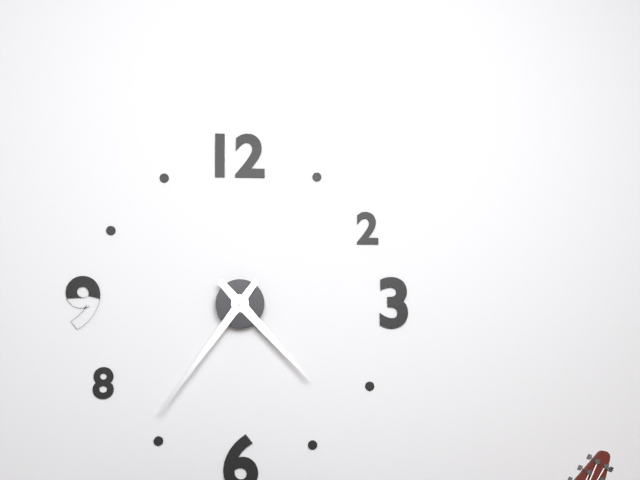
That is 4:36
